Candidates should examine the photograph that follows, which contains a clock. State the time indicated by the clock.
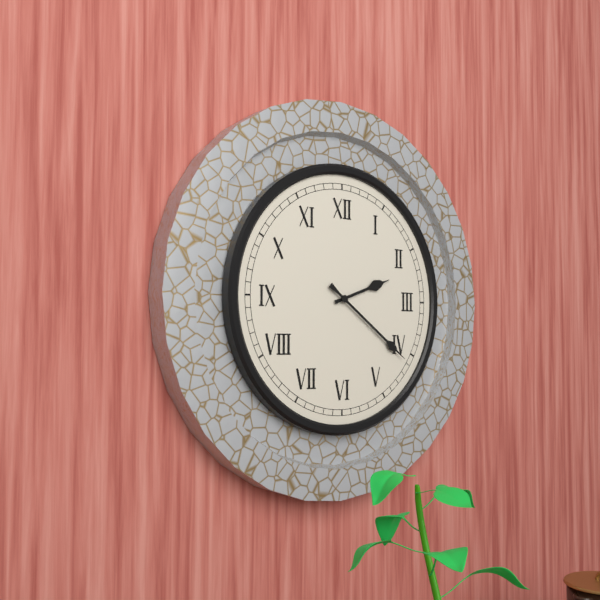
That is 2:21
